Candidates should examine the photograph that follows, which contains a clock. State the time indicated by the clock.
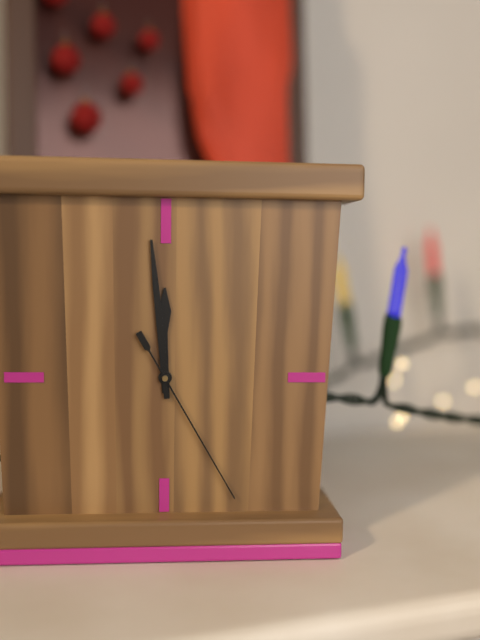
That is 11:59:25
